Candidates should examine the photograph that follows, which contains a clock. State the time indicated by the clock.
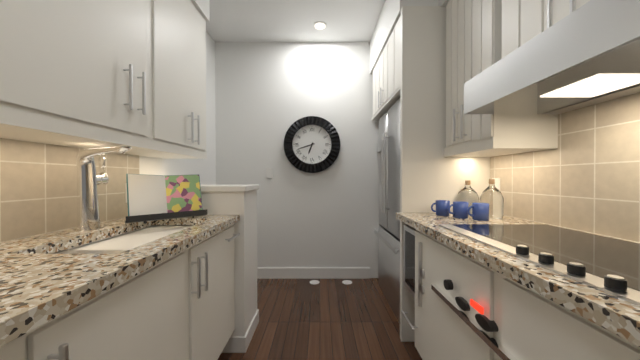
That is 6:42
